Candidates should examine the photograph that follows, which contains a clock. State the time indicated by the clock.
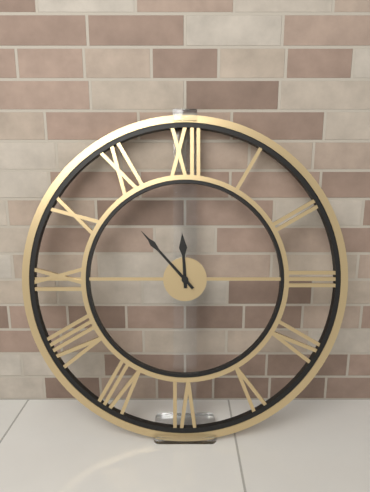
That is 11:53
